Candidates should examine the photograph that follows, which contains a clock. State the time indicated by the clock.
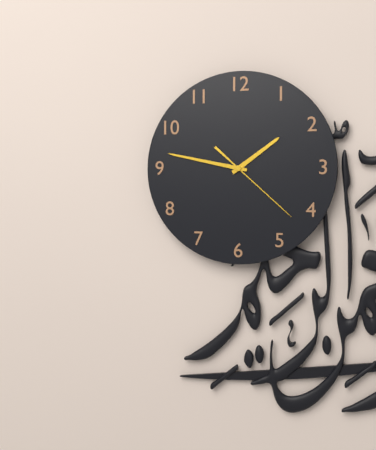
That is 1:47:22
